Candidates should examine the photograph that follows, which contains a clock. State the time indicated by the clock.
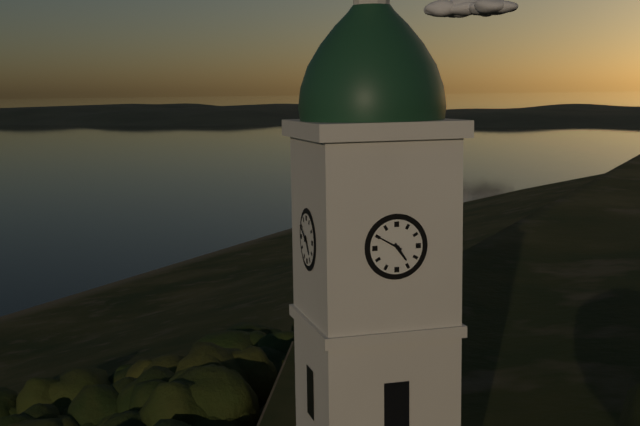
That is 4:50
